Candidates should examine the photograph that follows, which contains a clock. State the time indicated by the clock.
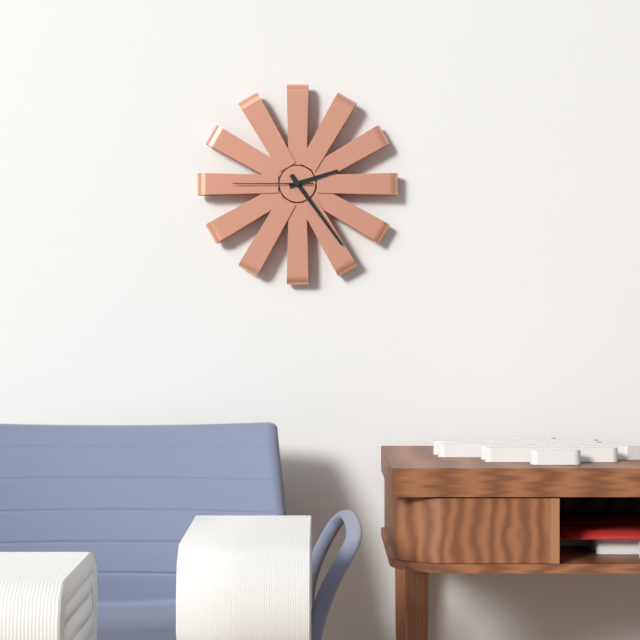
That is 2:24:45
